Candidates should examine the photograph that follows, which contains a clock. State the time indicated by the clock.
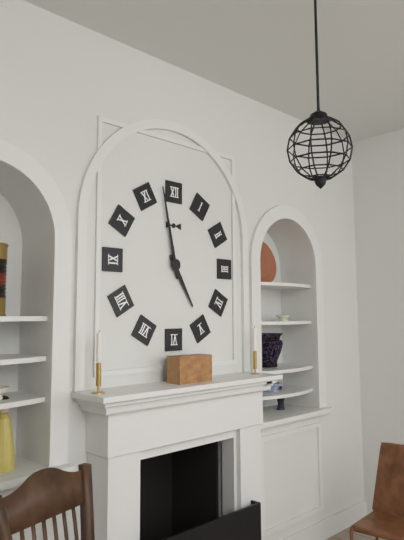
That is 4:58
